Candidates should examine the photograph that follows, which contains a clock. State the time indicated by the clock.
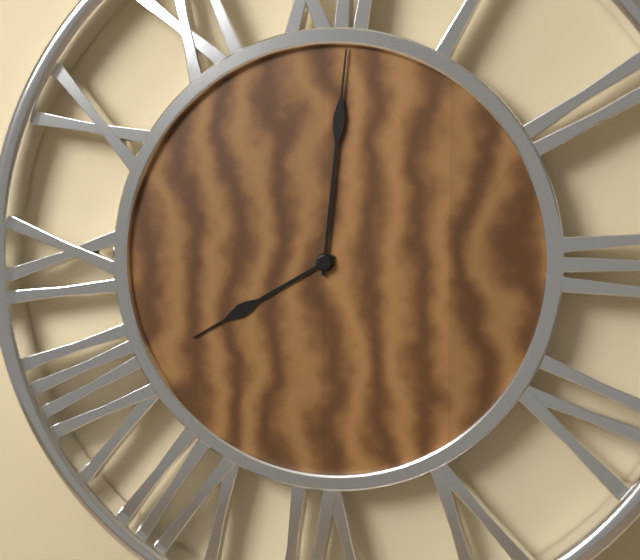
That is 8:01
